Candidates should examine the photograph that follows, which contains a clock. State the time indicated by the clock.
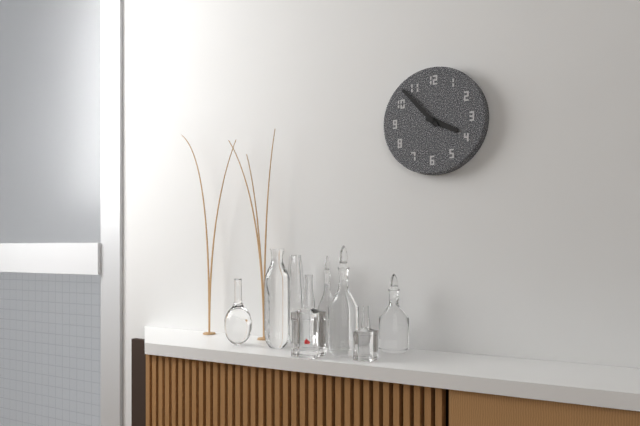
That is 3:53
